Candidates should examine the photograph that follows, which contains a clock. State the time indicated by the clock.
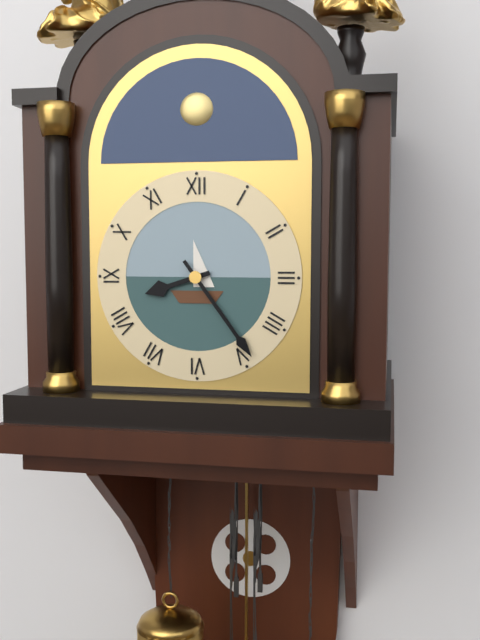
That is 8:24
